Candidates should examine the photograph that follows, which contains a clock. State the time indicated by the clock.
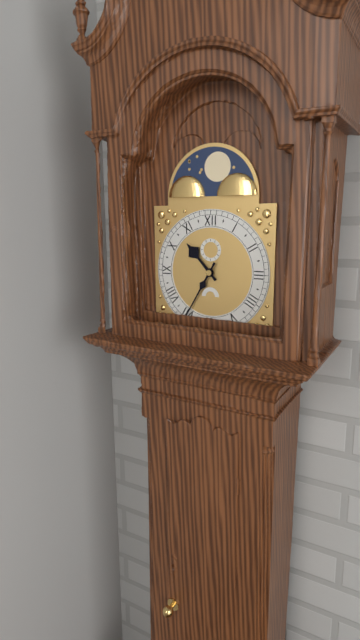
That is 10:35
